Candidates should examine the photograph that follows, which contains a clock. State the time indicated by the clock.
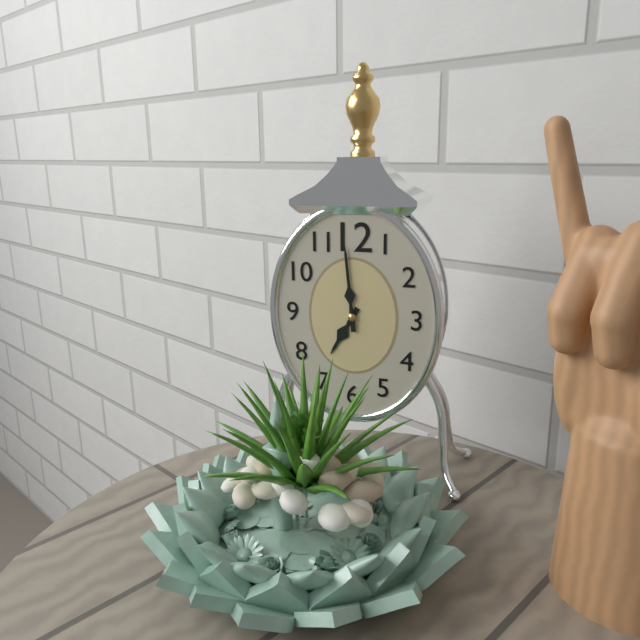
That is 6:59
